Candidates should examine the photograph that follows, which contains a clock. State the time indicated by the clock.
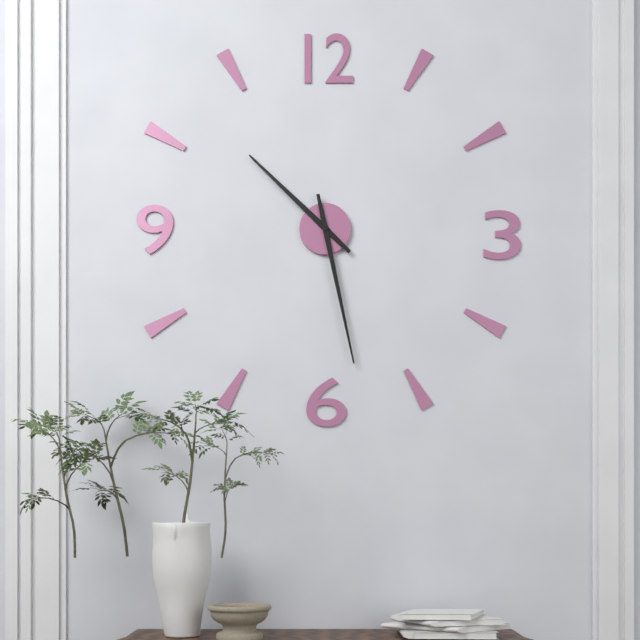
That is 10:28
